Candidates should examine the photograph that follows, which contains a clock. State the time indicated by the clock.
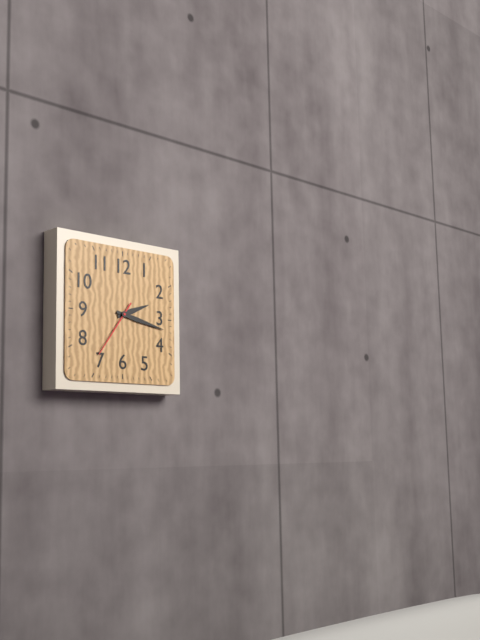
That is 2:17:36
